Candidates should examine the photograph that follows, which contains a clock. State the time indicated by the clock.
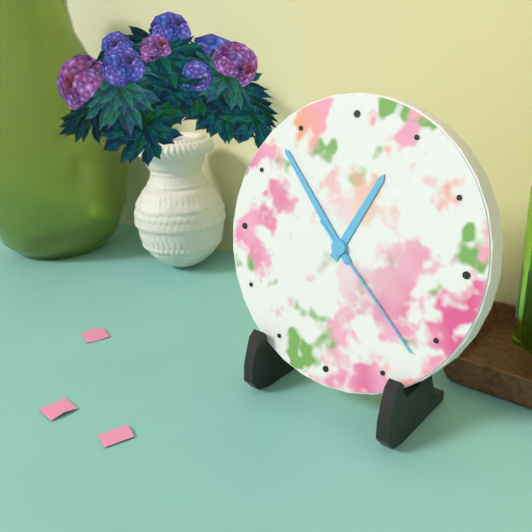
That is 12:53:22
